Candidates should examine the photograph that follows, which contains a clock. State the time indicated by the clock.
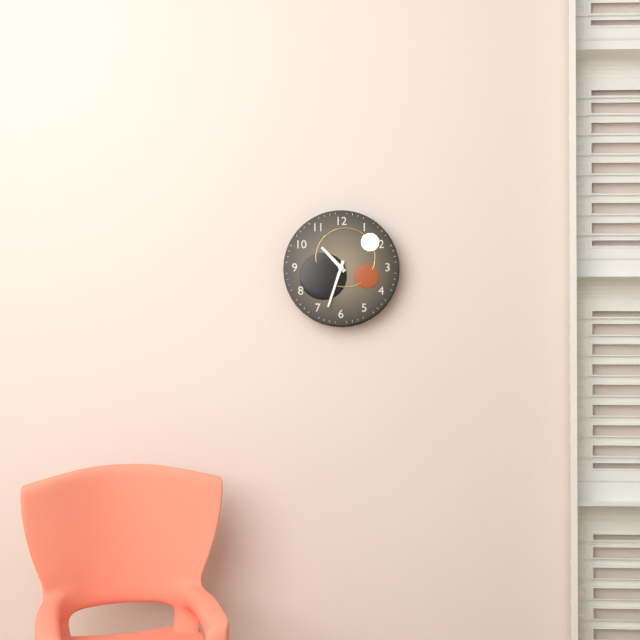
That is 10:33
